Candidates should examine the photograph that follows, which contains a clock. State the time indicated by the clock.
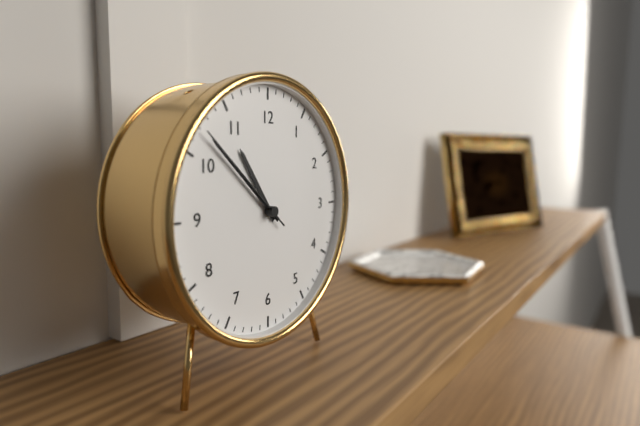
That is 10:52:52
